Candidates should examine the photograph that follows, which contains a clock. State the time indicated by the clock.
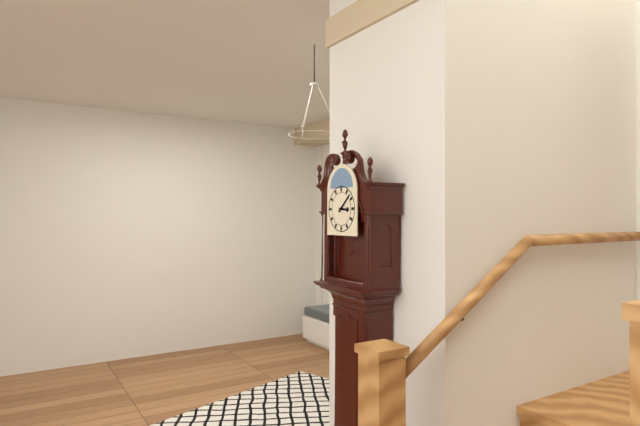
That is 3:08
